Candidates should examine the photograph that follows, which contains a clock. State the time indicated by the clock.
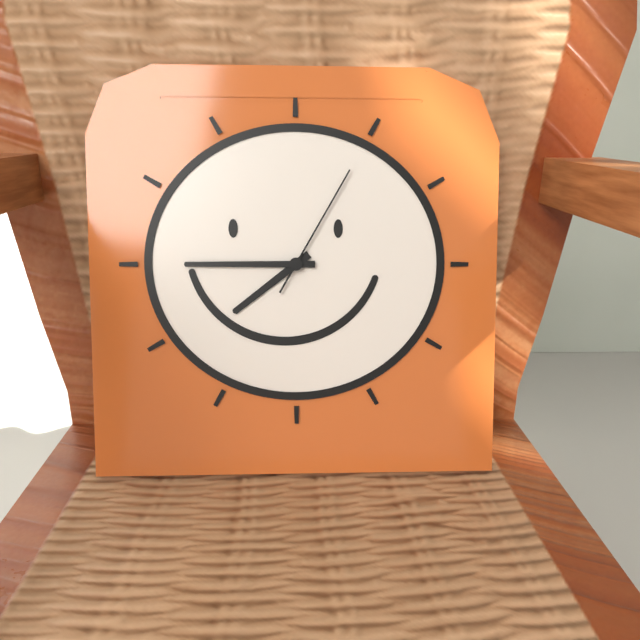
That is 7:45:05
